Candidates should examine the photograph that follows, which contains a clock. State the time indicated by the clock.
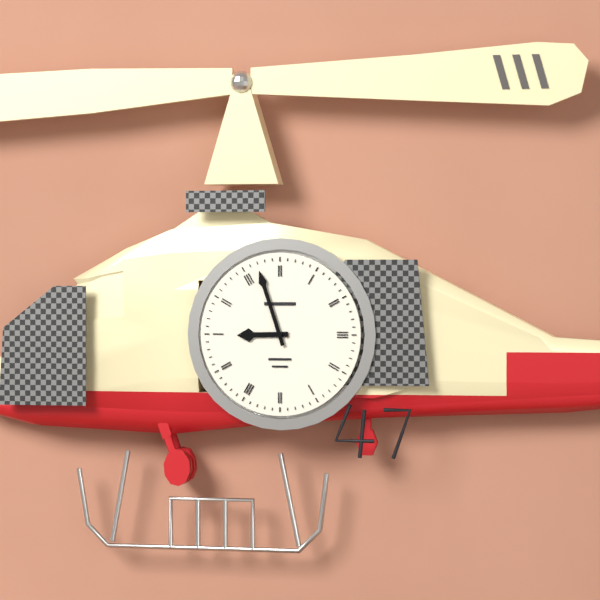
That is 8:57
